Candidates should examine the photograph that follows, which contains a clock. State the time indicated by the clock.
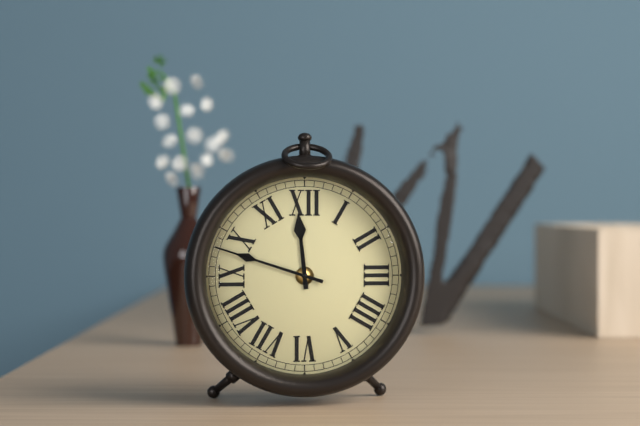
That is 11:48
